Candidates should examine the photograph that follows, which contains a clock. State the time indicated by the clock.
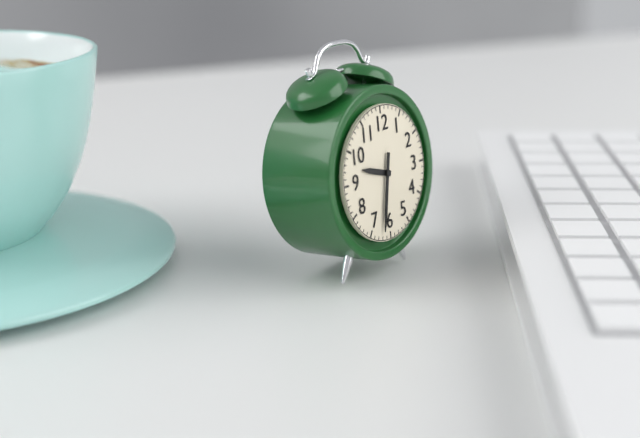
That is 9:32
